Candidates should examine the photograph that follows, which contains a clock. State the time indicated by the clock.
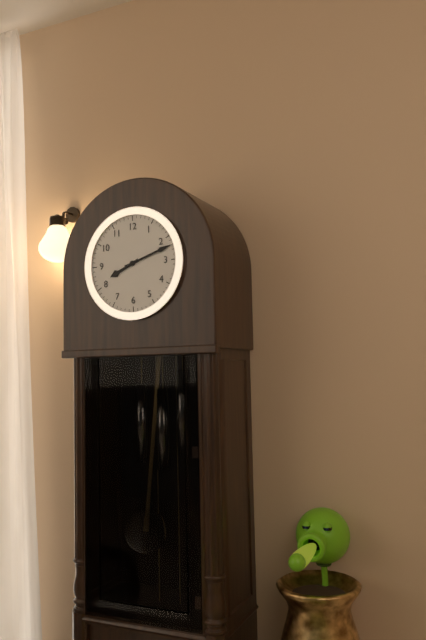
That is 8:12
